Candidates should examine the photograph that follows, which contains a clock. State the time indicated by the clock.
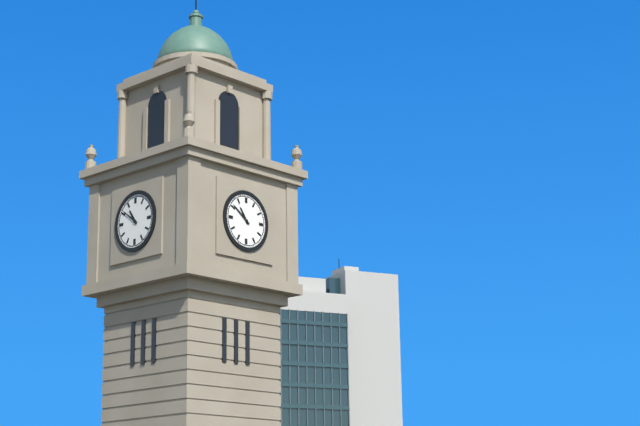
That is 10:51
